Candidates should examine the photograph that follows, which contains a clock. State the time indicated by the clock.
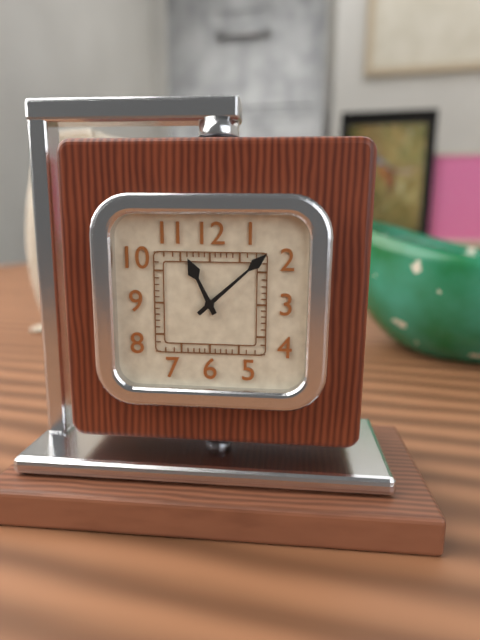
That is 11:08
